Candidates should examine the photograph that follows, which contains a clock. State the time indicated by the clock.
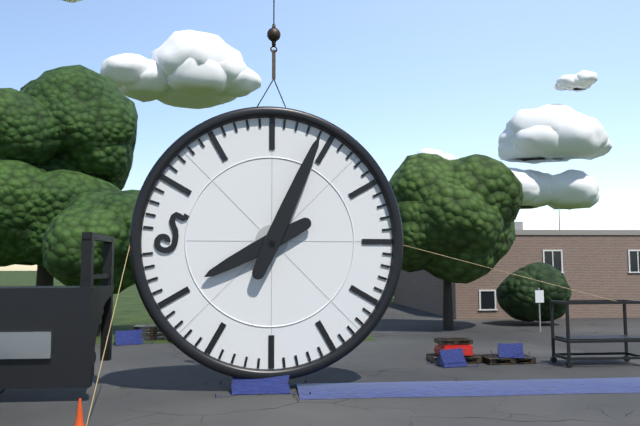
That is 8:04
